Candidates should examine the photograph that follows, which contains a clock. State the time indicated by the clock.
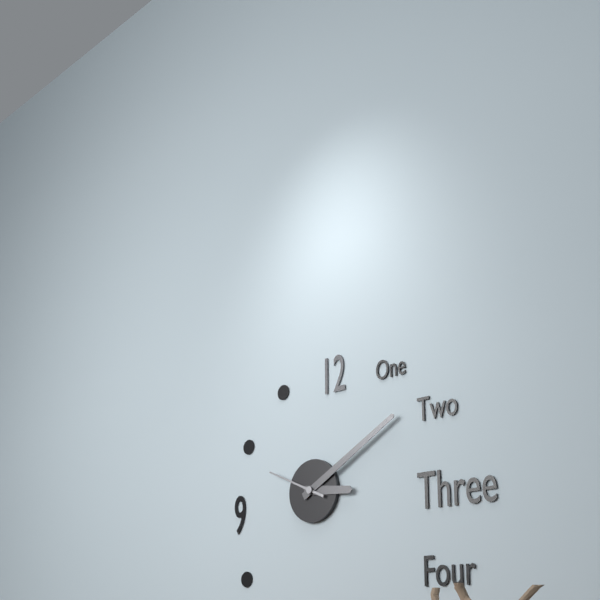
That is 3:10:49
